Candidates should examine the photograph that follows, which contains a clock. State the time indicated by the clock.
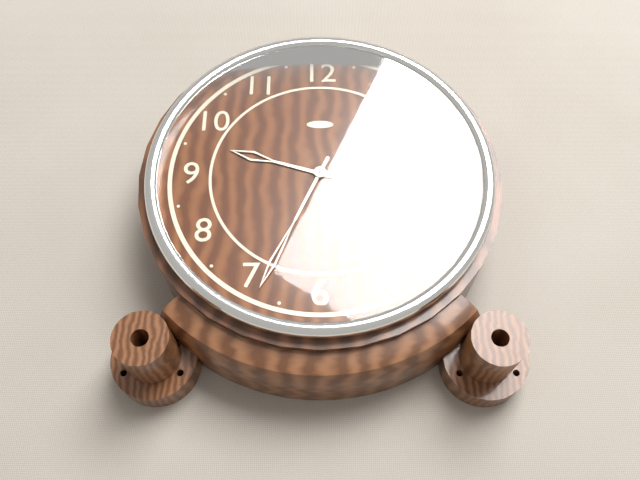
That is 9:34
